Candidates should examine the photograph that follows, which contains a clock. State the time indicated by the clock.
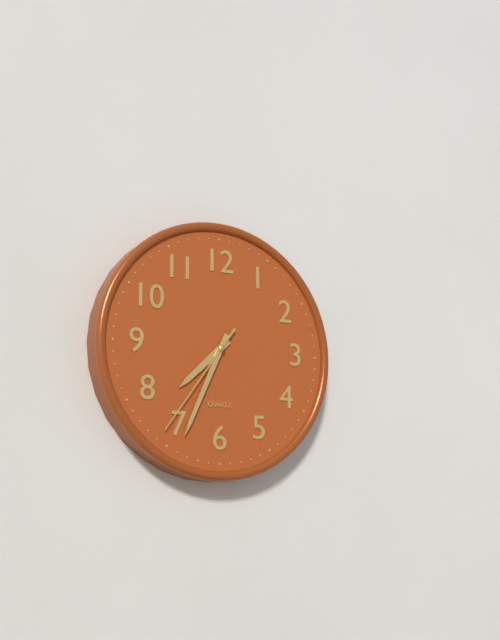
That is 7:34:36
